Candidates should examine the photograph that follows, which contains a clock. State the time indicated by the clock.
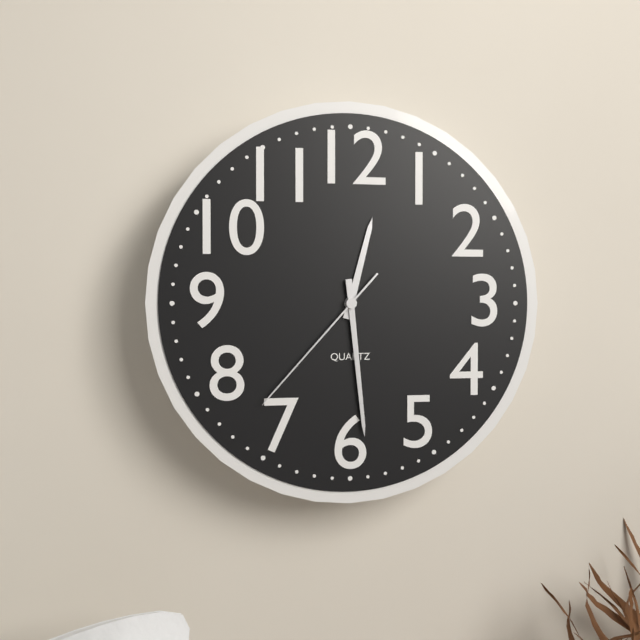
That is 12:29:37
